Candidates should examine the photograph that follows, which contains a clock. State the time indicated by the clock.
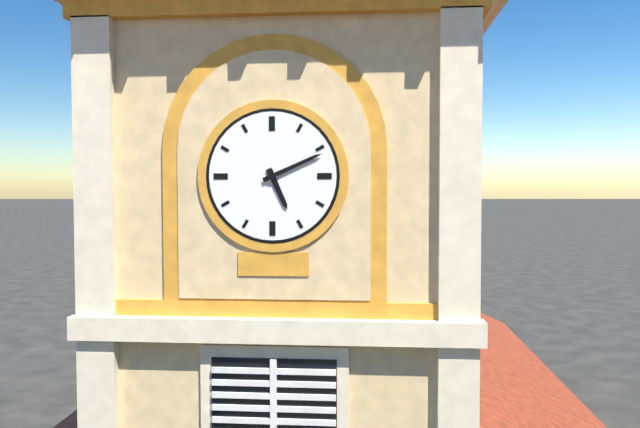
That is 5:11
